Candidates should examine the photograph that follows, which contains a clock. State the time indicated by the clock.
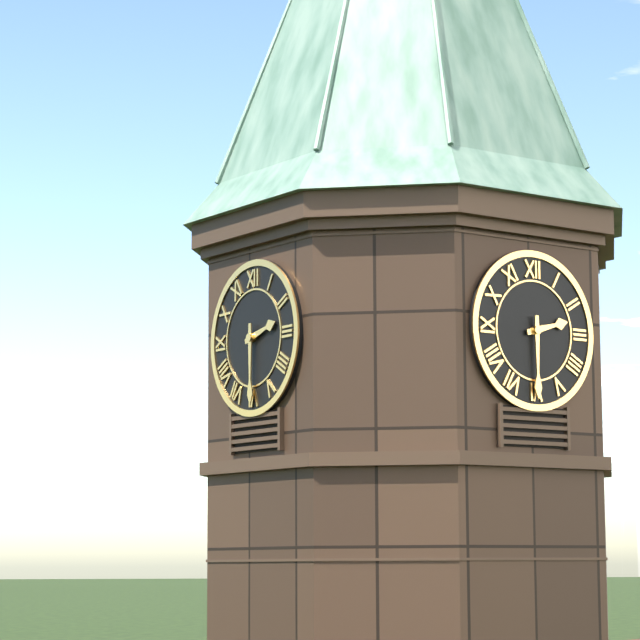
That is 2:30
